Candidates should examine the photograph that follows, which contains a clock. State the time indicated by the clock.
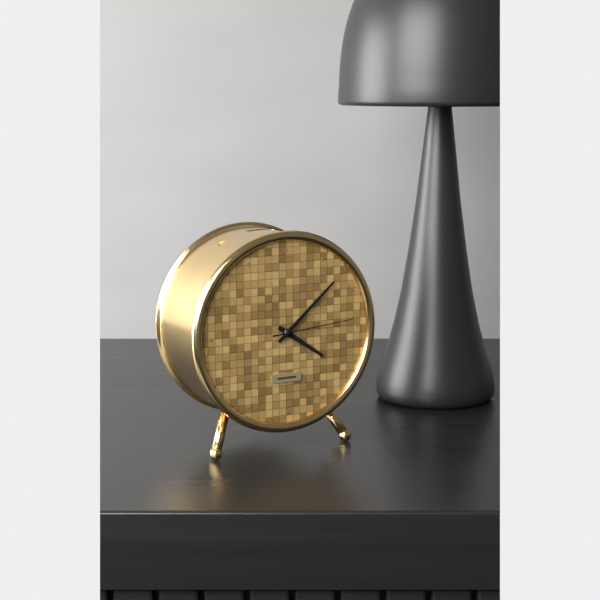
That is 4:08:14
